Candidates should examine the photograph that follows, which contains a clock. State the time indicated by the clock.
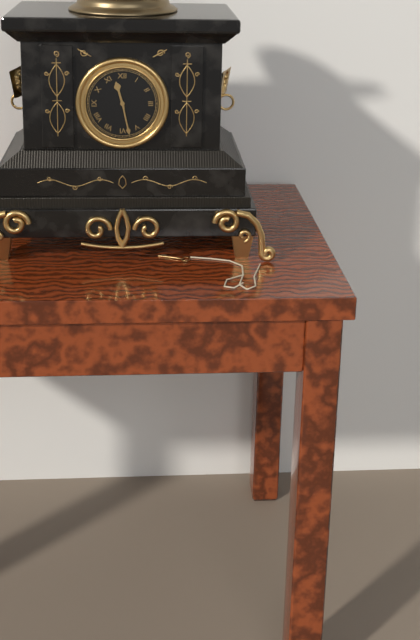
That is 11:28
